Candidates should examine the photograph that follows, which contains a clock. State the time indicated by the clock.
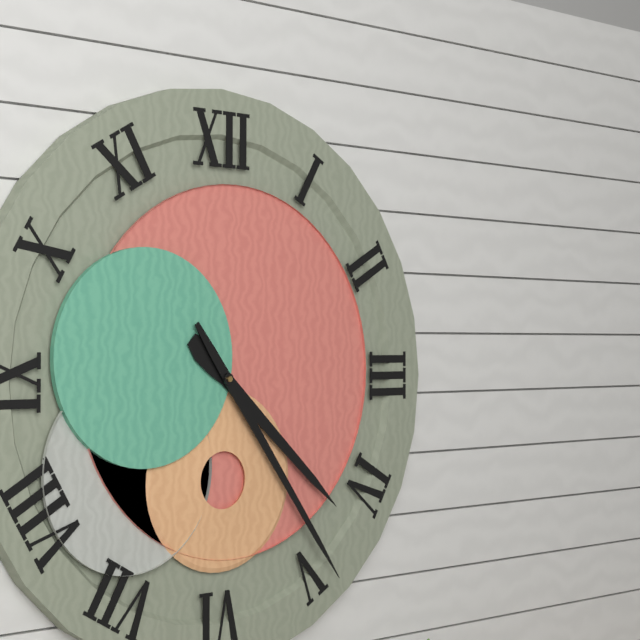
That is 4:24
